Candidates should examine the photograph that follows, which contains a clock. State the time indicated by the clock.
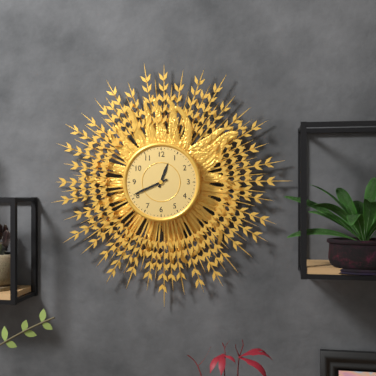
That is 12:41
